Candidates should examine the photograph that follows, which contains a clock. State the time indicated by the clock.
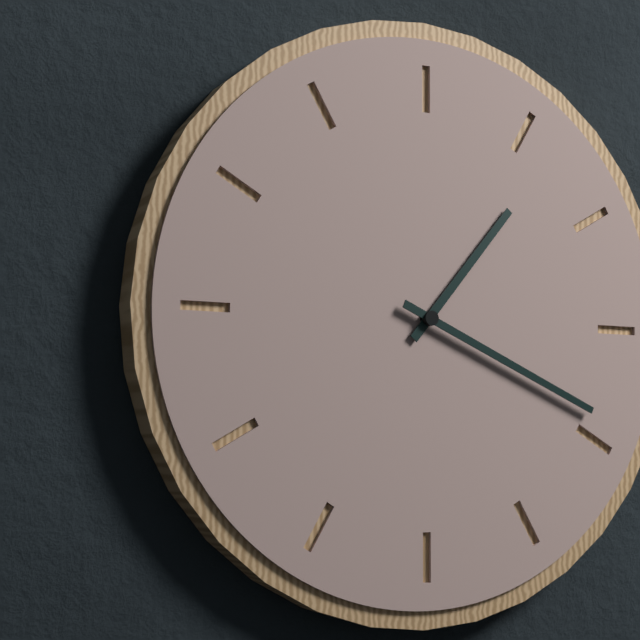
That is 1:19
